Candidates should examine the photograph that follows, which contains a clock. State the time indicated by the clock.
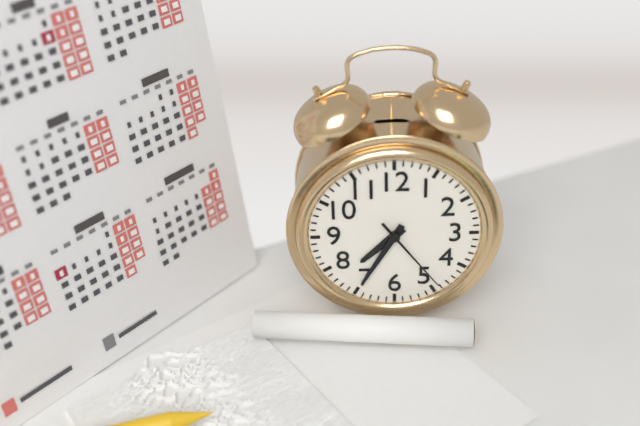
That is 7:35:24
